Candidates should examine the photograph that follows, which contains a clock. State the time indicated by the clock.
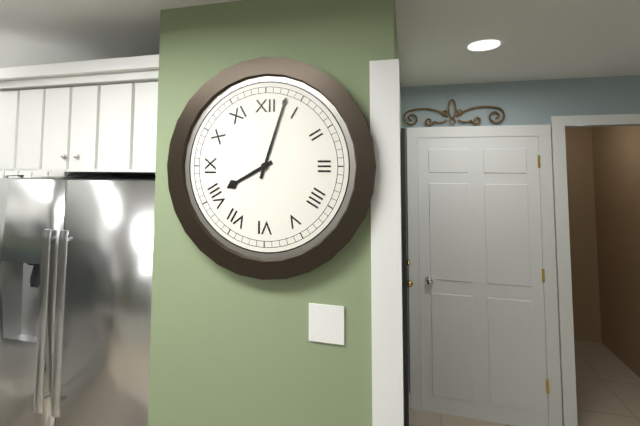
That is 8:03
